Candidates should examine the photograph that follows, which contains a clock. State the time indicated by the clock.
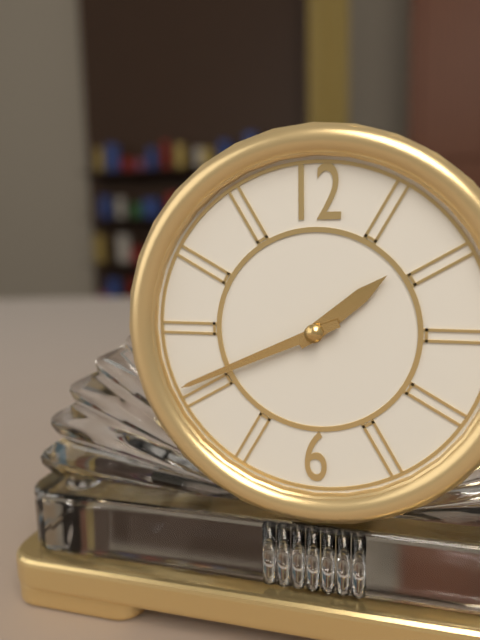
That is 1:41
